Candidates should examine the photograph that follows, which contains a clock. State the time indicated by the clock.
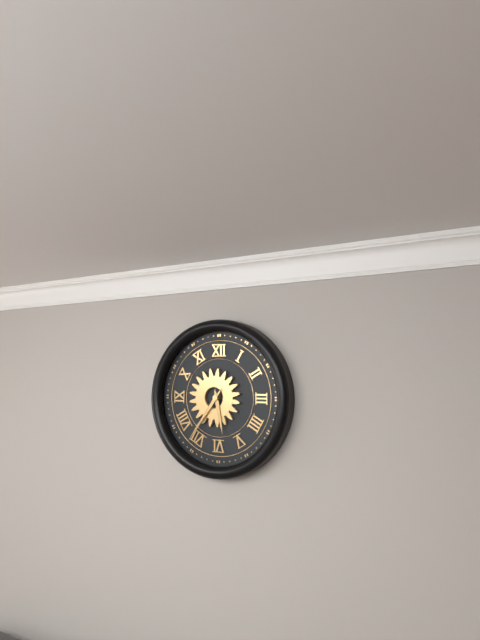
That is 5:36
